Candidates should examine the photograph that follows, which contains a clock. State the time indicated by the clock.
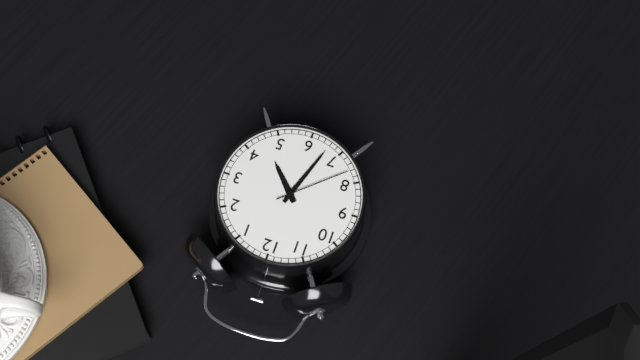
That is 4:33:38
